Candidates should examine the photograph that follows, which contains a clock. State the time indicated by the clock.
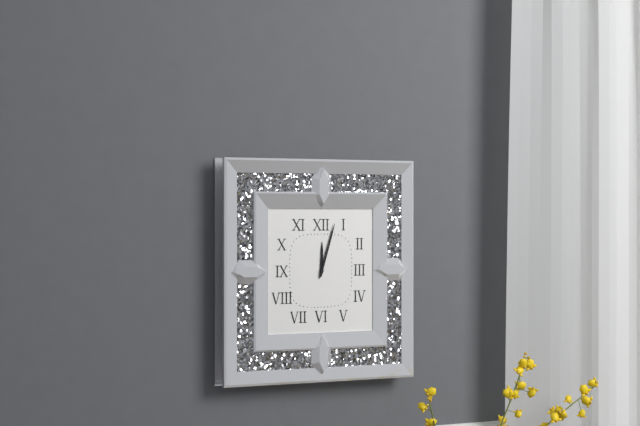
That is 12:03
